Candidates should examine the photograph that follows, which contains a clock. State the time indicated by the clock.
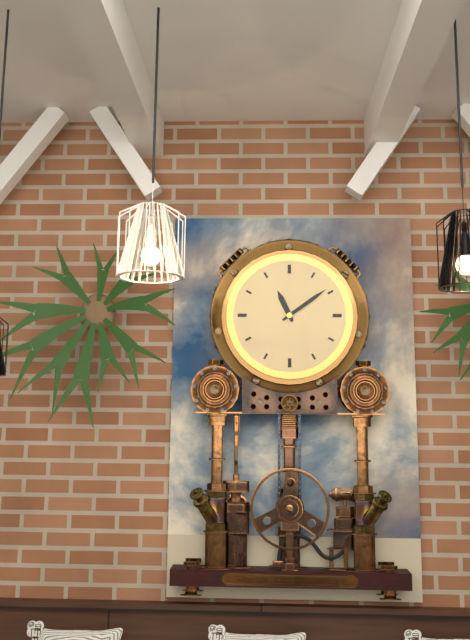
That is 11:09
